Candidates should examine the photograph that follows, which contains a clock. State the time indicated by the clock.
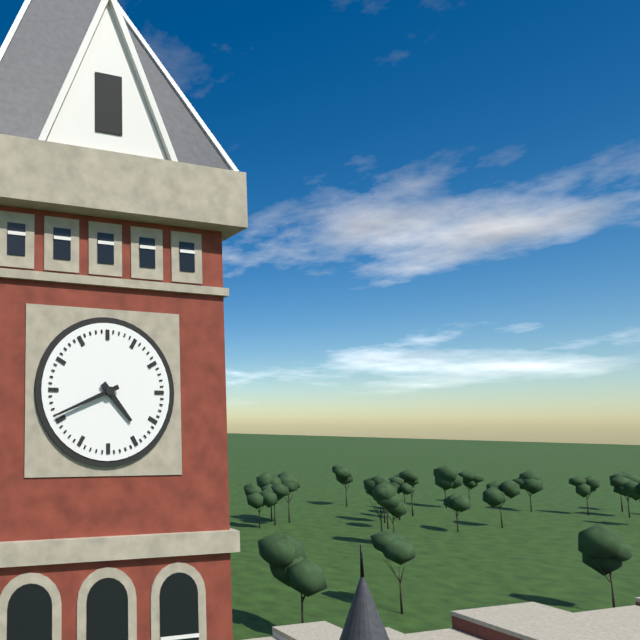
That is 4:41
